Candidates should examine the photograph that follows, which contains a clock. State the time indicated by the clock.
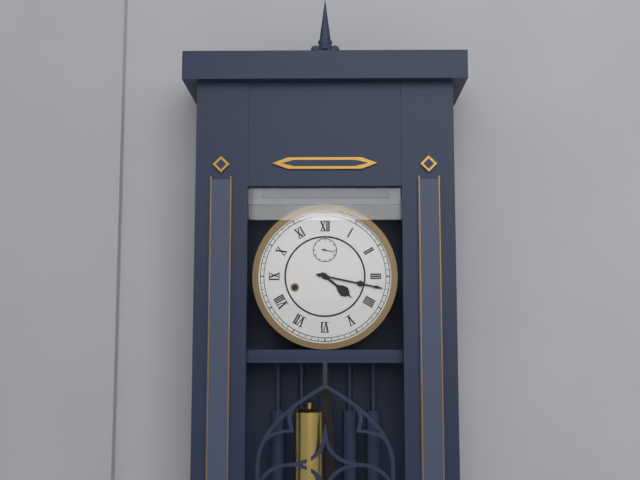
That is 4:17
